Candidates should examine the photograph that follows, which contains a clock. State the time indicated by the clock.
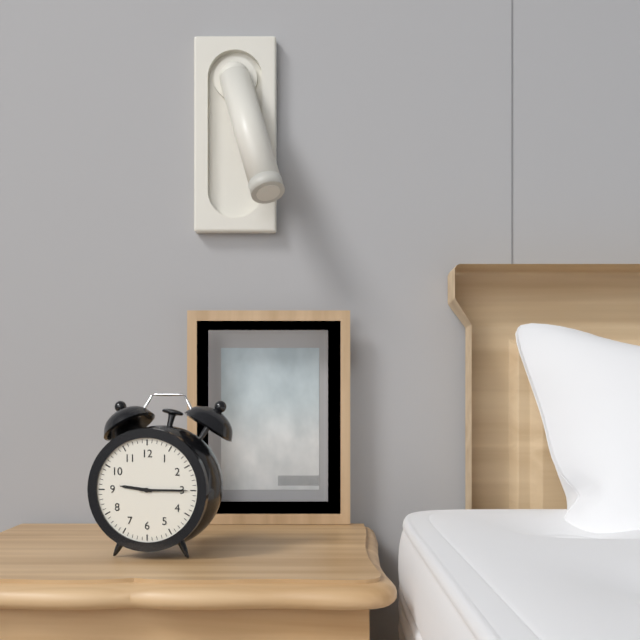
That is 9:15
